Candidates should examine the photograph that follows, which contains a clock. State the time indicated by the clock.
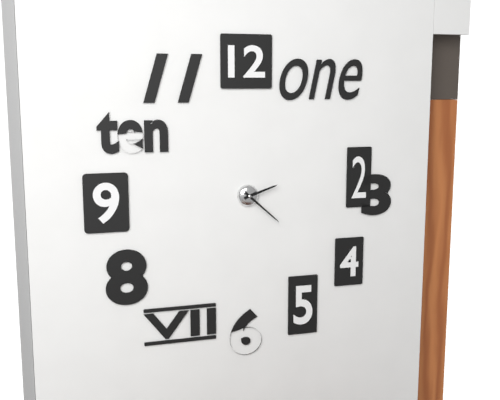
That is 2:22
